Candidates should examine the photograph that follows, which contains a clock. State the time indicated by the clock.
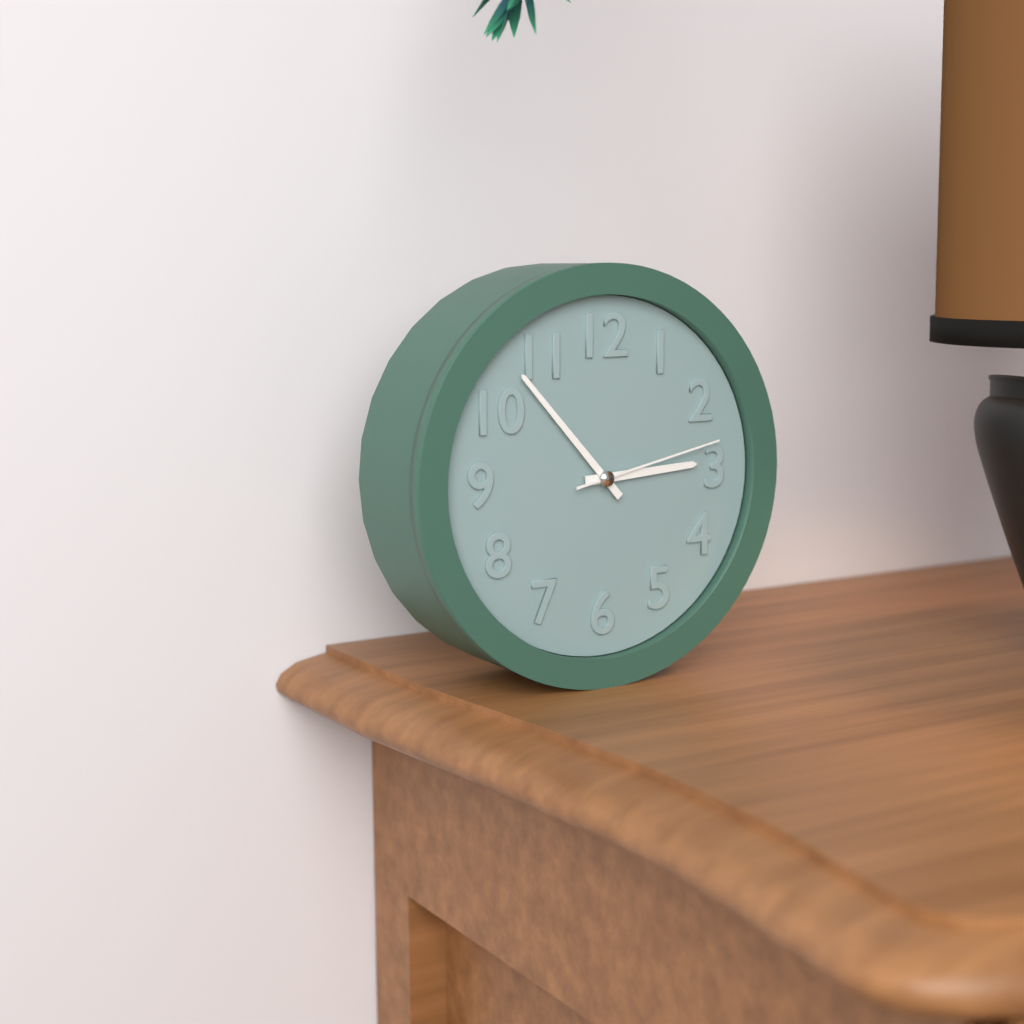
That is 2:53:13
